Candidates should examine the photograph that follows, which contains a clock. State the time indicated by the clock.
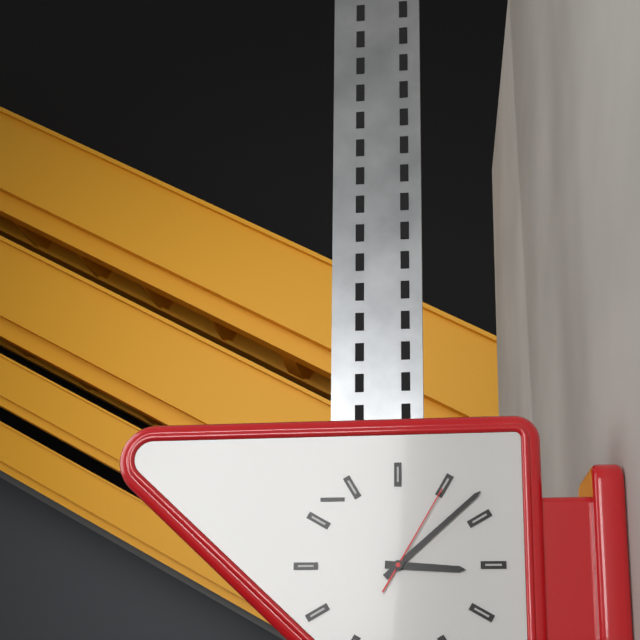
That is 3:08:05
